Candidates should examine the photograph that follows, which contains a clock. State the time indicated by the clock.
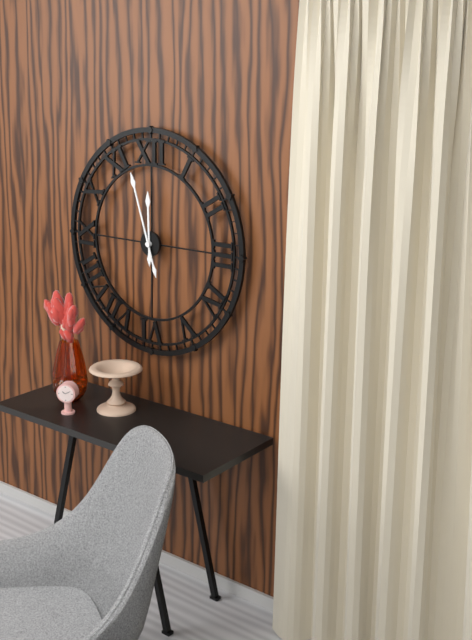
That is 11:57
